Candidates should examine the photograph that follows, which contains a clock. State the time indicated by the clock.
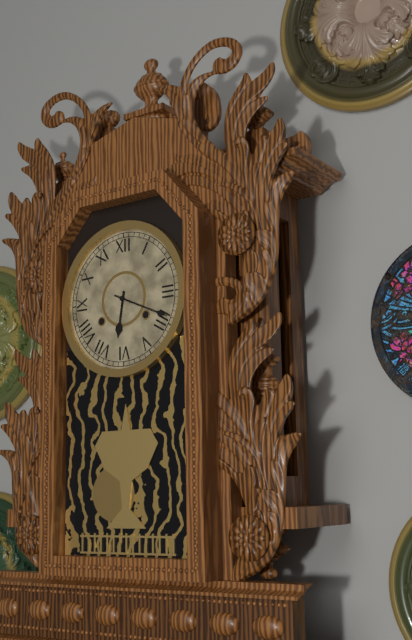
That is 6:19
